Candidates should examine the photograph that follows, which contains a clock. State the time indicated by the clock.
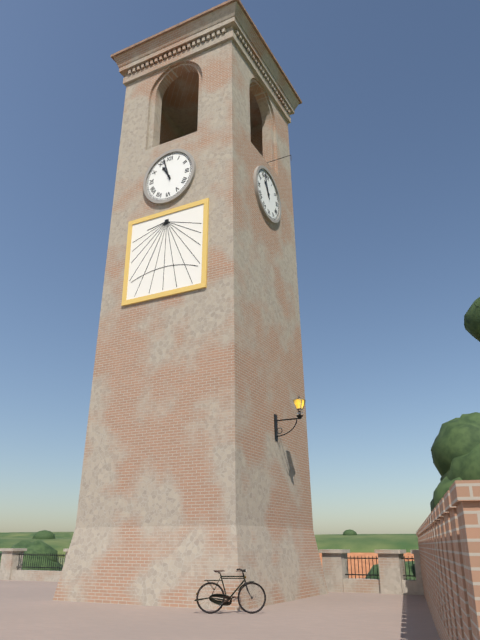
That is 10:57
